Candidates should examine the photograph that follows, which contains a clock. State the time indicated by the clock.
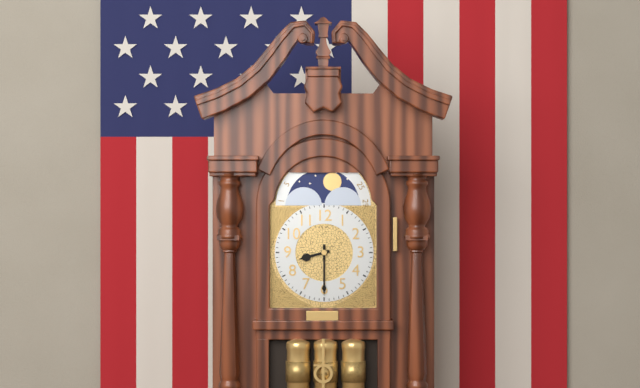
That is 8:30
